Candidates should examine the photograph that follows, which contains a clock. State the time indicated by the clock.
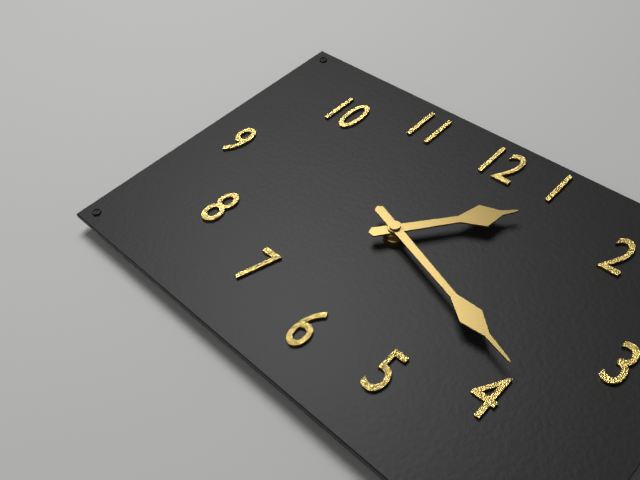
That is 1:18
